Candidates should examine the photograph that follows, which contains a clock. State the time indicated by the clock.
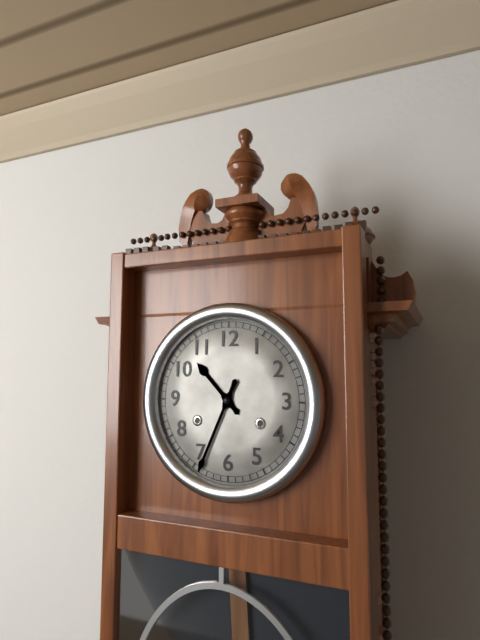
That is 10:34
